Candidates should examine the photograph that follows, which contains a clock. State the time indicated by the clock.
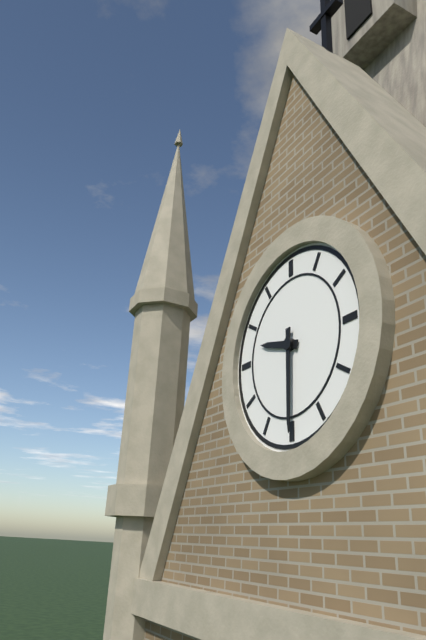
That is 9:30
